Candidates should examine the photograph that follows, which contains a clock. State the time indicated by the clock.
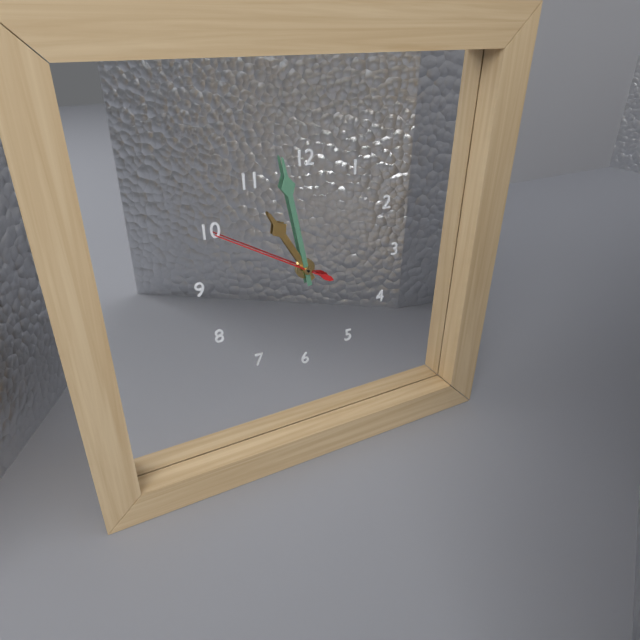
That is 10:58:50
